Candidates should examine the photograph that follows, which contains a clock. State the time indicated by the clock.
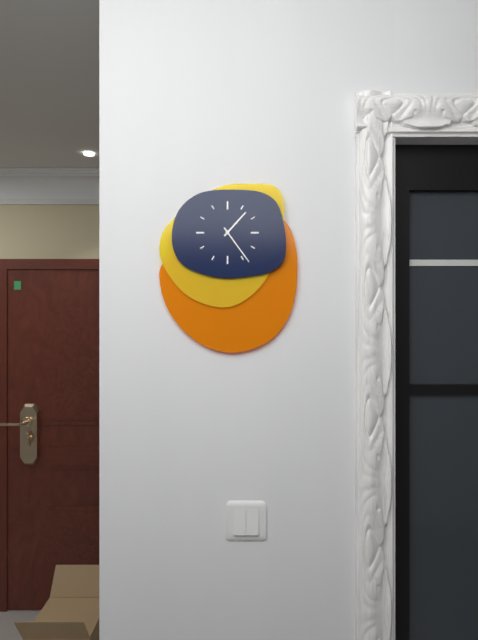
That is 1:24
